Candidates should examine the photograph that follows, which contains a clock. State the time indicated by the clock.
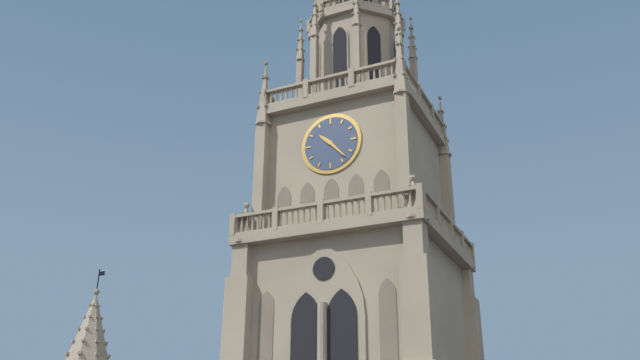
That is 10:23
